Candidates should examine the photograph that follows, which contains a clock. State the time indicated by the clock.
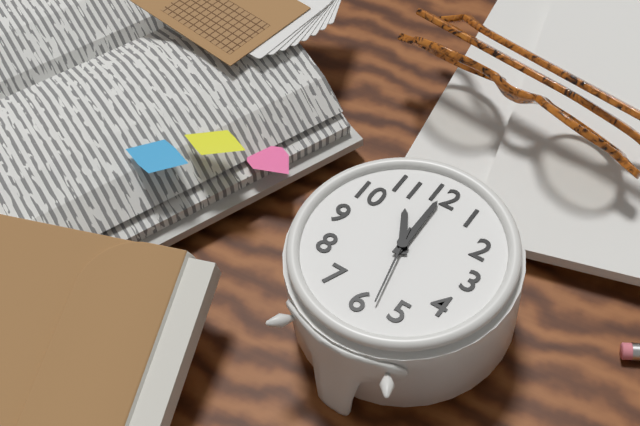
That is 11:00:28
